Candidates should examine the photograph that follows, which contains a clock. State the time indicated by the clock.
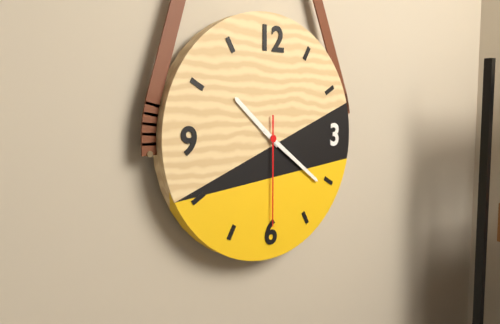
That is 10:21:30
